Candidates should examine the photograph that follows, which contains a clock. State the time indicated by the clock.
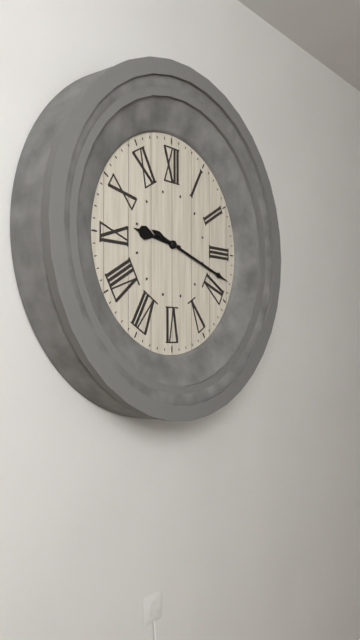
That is 9:18
